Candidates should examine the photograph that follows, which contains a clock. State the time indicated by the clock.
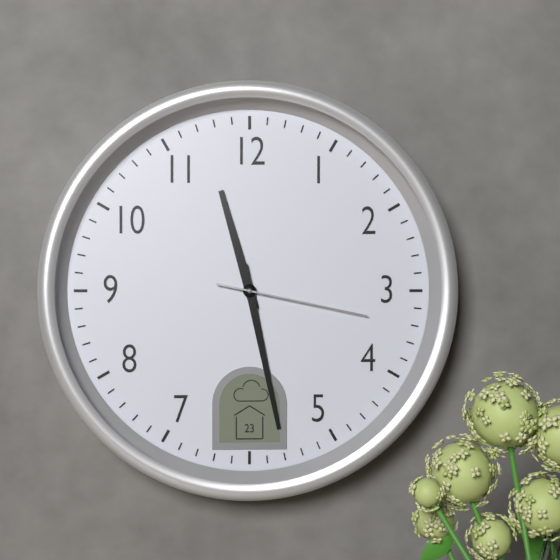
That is 11:28:17
